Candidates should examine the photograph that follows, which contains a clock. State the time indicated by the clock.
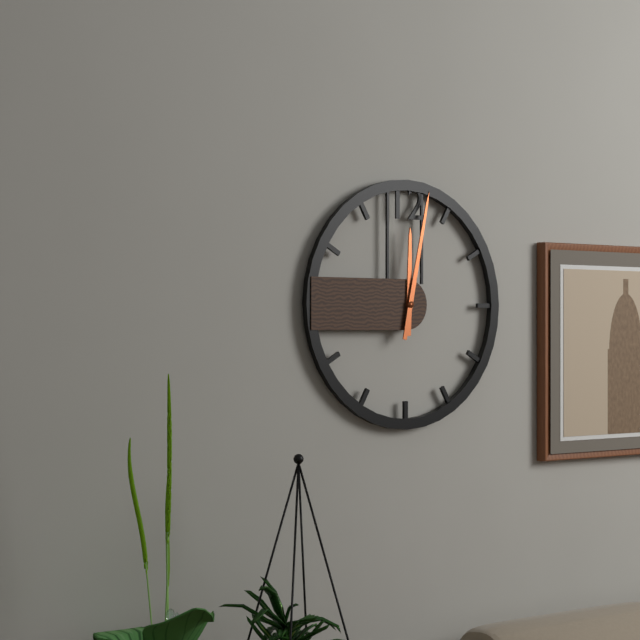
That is 12:02
